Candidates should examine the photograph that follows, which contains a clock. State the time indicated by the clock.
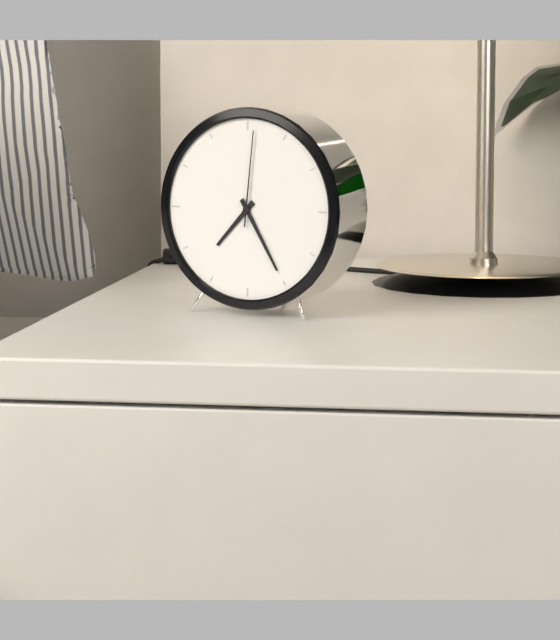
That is 7:25:01
